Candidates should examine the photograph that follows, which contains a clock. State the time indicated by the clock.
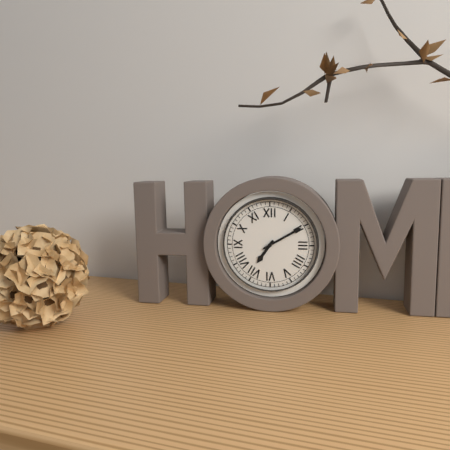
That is 7:10
